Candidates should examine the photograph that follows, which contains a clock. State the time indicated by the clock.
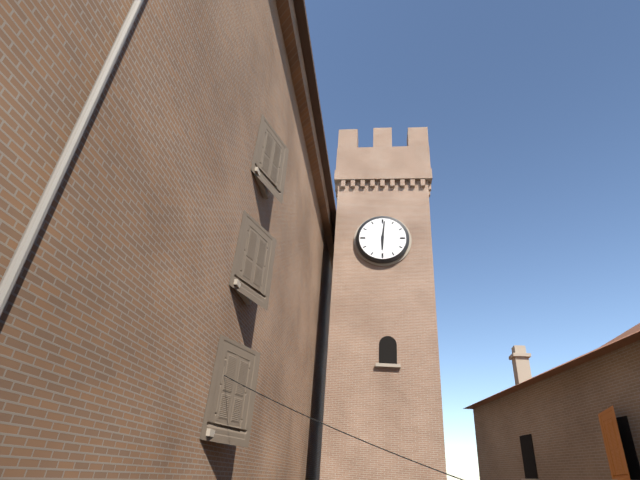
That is 6:01
